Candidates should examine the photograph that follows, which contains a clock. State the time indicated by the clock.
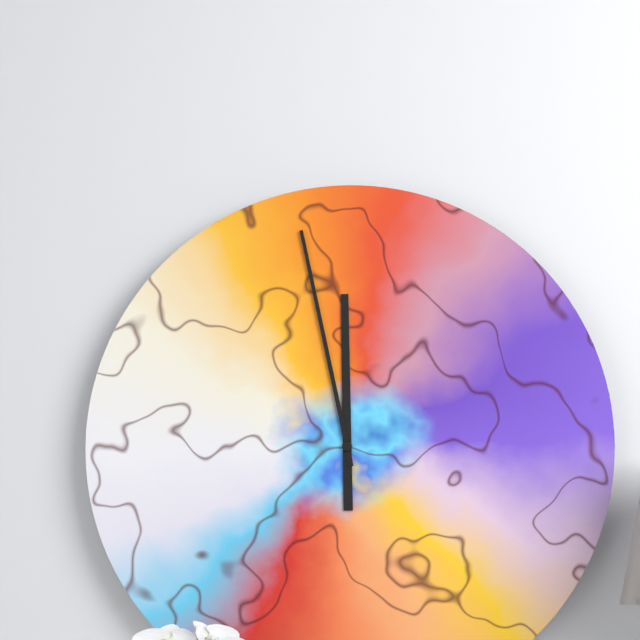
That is 11:58
